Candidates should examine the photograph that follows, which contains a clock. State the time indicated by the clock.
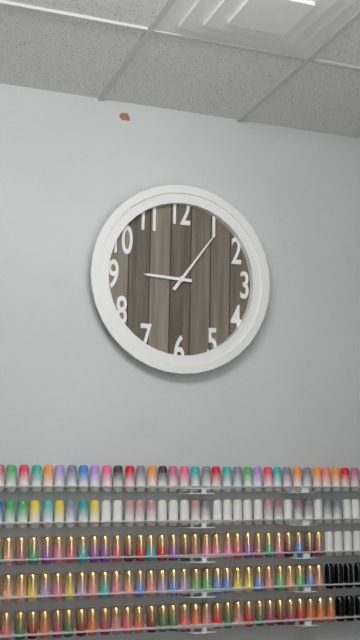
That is 9:06
